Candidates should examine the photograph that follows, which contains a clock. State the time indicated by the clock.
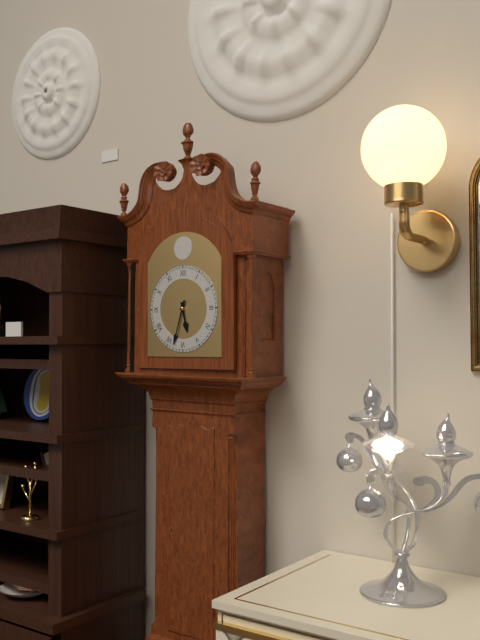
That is 5:33
